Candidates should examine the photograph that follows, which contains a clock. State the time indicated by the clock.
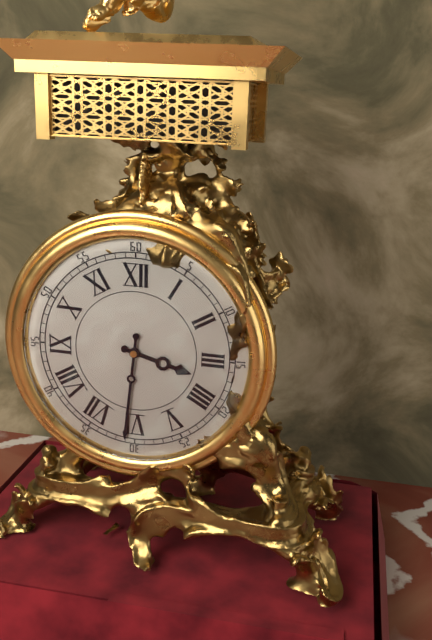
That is 3:31
